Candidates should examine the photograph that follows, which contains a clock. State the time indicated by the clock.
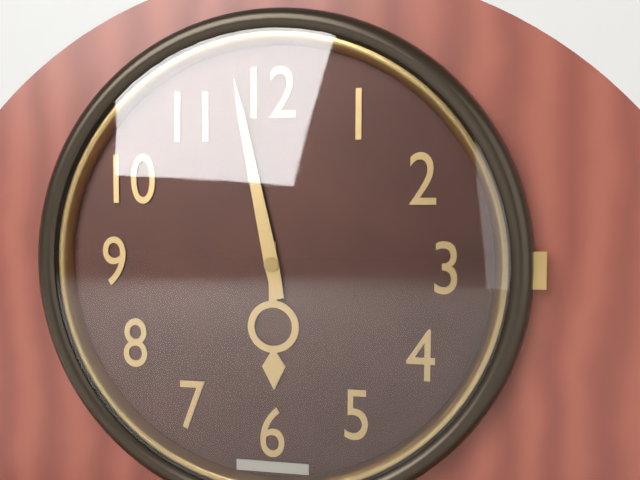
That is 5:58
